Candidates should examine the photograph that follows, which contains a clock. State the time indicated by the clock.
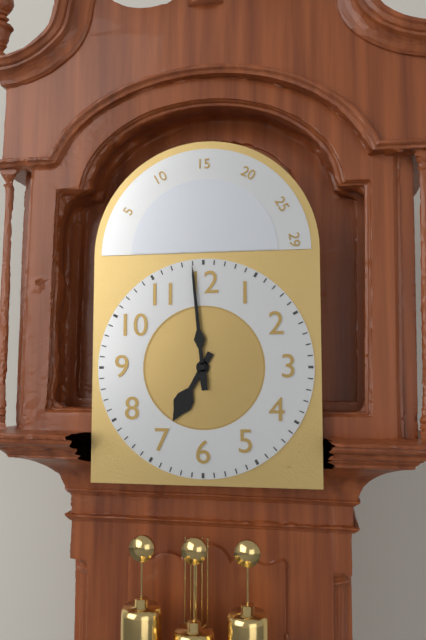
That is 6:59
